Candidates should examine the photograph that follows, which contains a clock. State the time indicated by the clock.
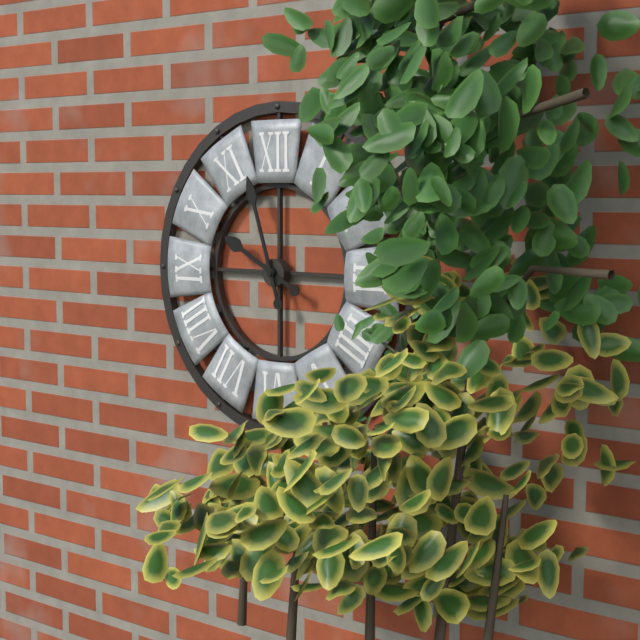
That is 9:57
